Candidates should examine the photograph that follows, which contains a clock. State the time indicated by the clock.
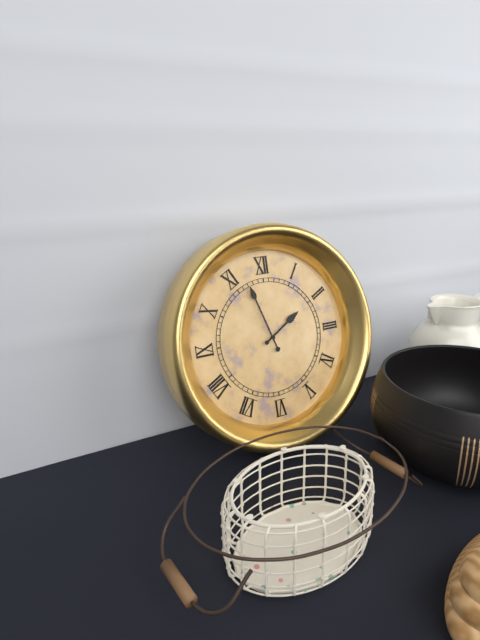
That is 1:57
